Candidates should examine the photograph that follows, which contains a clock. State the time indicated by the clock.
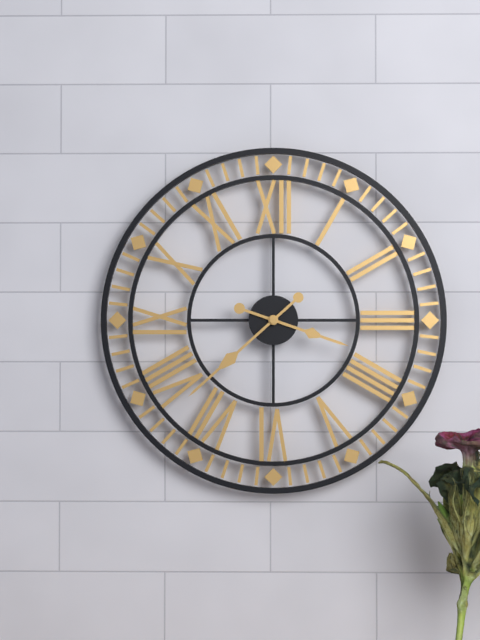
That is 3:38
